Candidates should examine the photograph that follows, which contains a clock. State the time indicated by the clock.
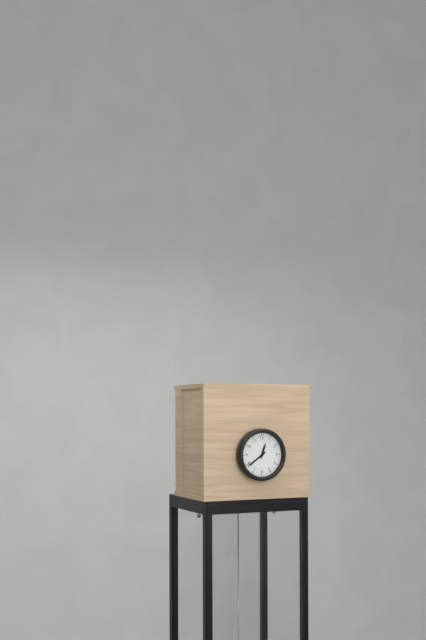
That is 12:39
